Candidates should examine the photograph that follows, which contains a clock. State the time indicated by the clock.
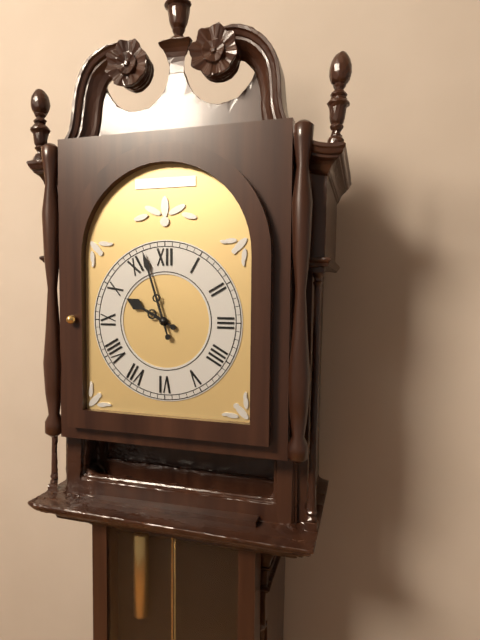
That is 9:57
